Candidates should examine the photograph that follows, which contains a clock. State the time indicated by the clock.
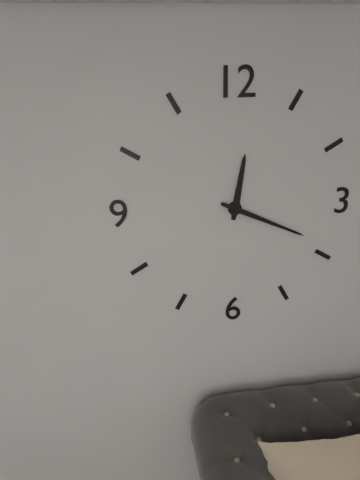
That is 12:19
